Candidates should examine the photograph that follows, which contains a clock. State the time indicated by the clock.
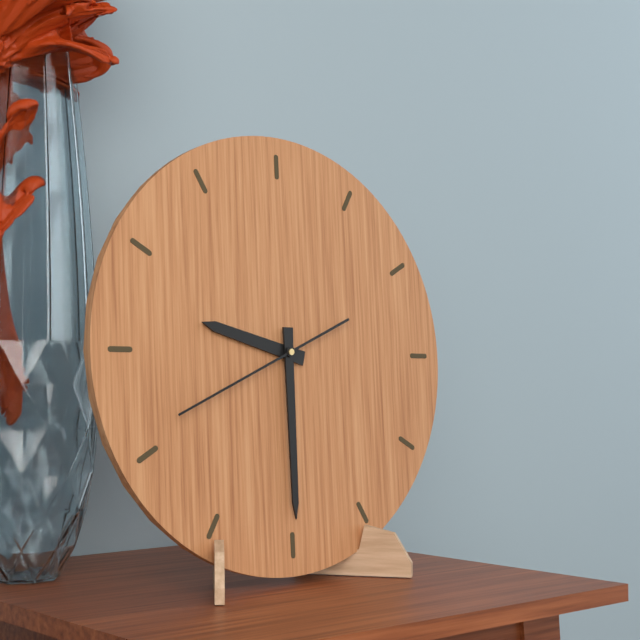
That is 9:30:41
